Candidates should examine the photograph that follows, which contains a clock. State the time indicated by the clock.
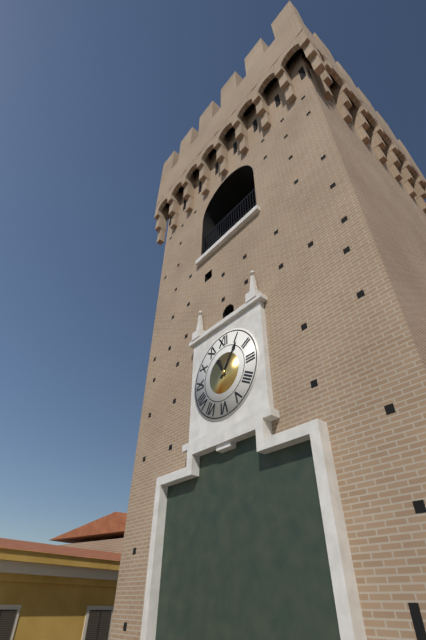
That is 11:06
